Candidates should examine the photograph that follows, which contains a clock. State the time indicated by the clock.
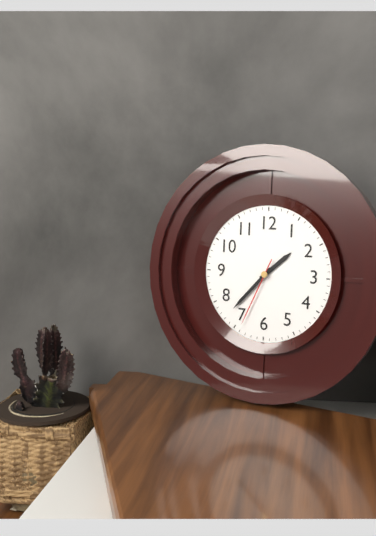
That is 1:37:34
